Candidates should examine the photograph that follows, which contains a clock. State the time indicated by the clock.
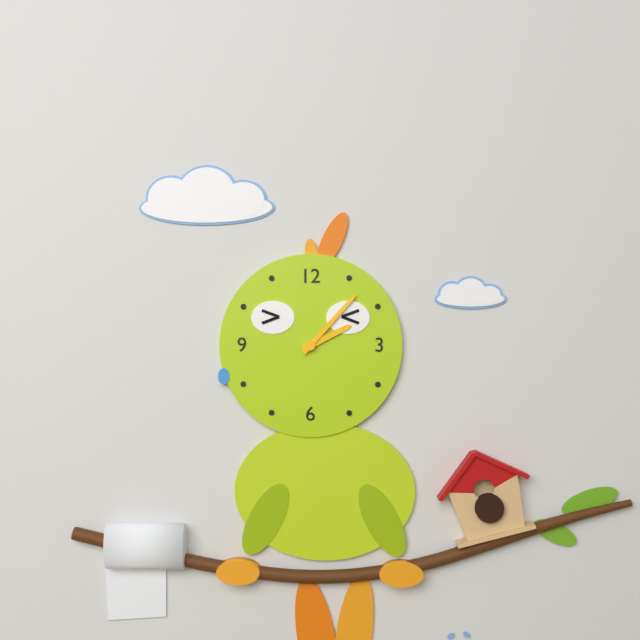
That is 2:07
